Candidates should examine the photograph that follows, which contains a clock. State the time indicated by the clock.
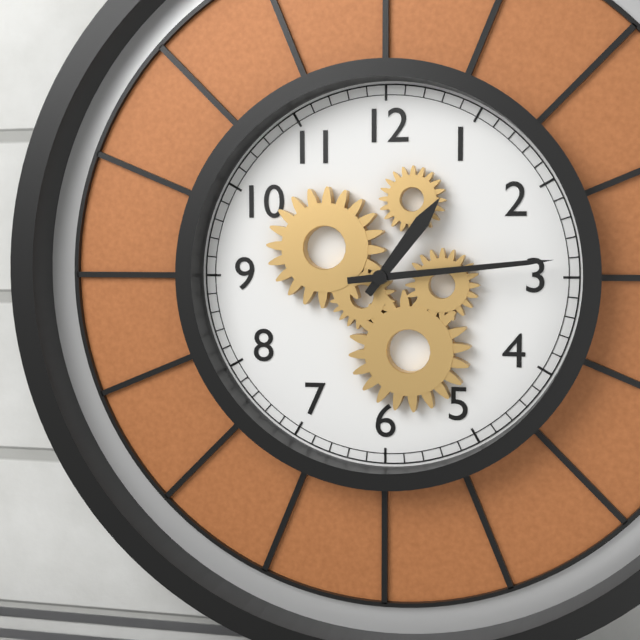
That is 1:14
